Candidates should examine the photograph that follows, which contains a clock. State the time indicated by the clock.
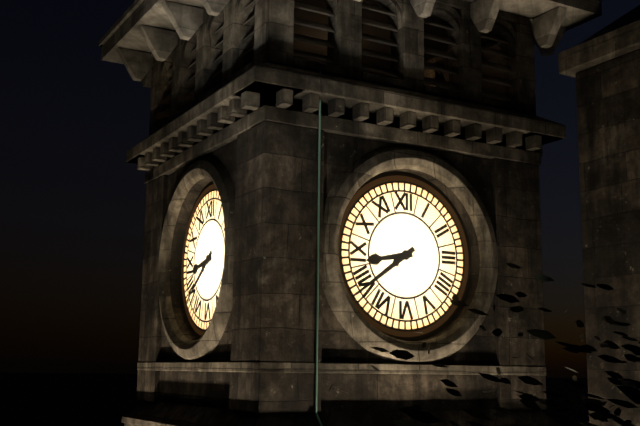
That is 8:39
